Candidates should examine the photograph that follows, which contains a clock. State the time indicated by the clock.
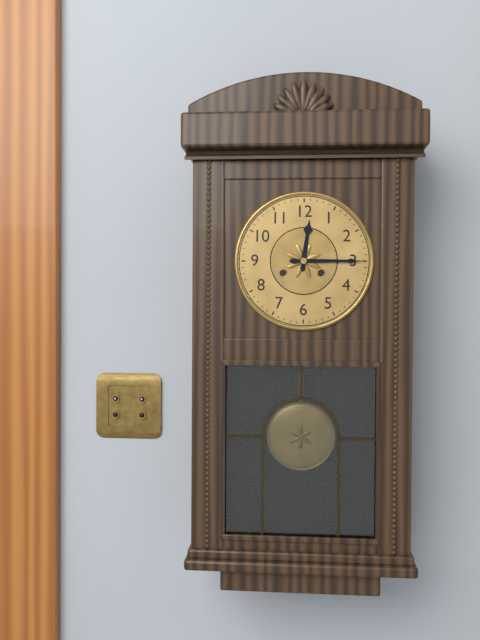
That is 12:15
